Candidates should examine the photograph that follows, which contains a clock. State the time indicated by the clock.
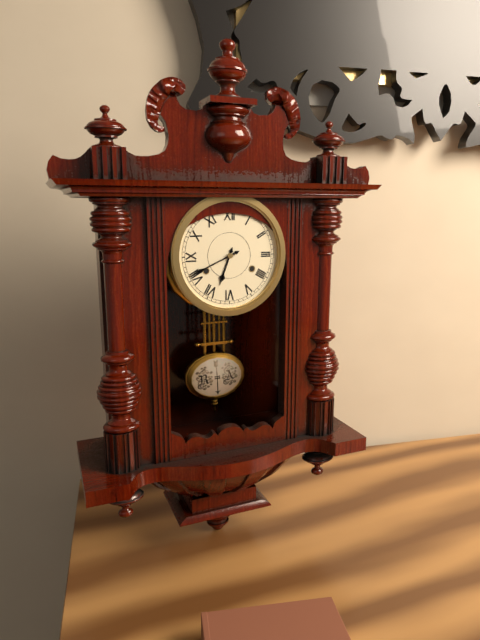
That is 6:41
